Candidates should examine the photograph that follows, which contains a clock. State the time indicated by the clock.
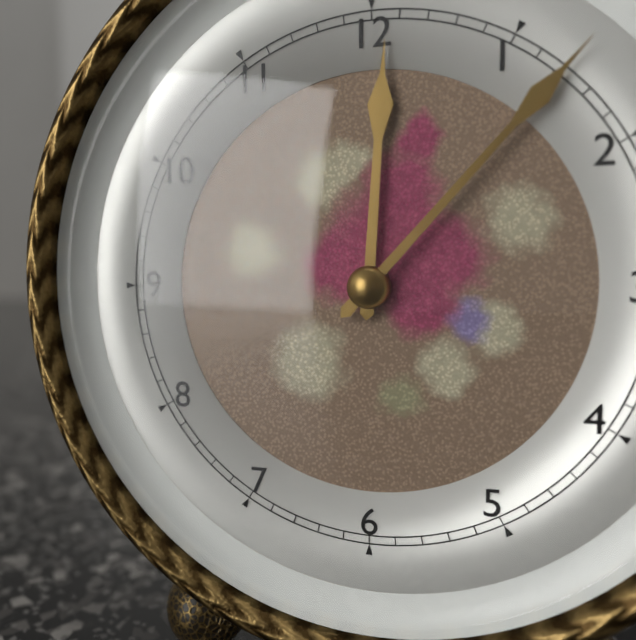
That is 12:07
